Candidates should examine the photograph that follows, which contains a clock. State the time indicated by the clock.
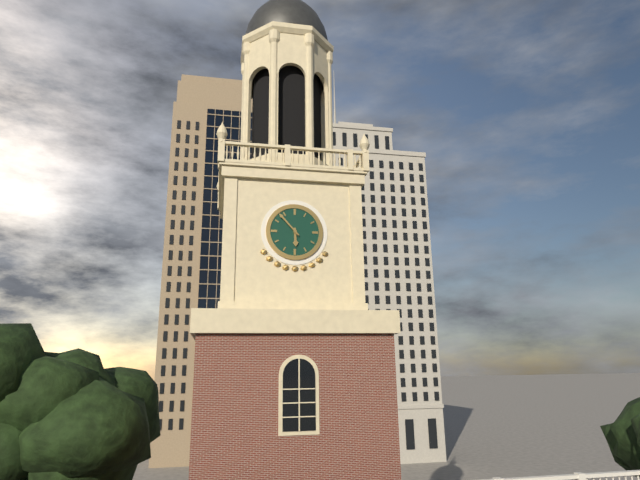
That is 5:53
